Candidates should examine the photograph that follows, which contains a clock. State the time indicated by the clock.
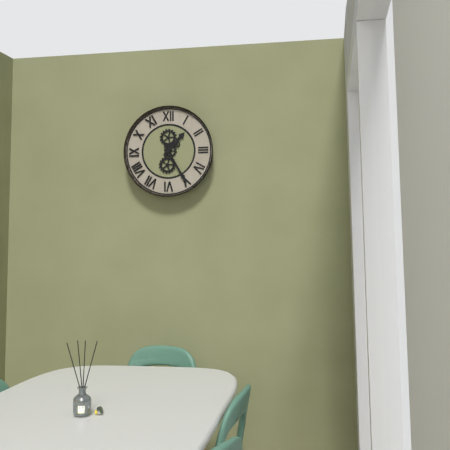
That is 1:25
